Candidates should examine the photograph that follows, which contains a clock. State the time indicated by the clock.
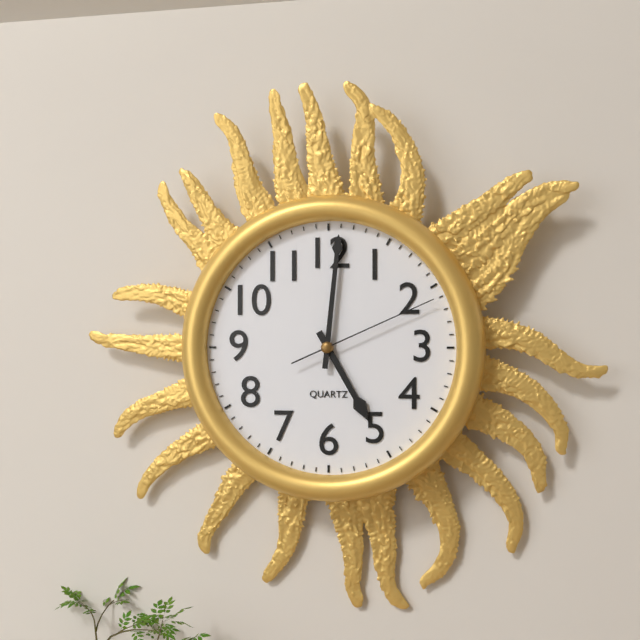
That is 5:01:11
